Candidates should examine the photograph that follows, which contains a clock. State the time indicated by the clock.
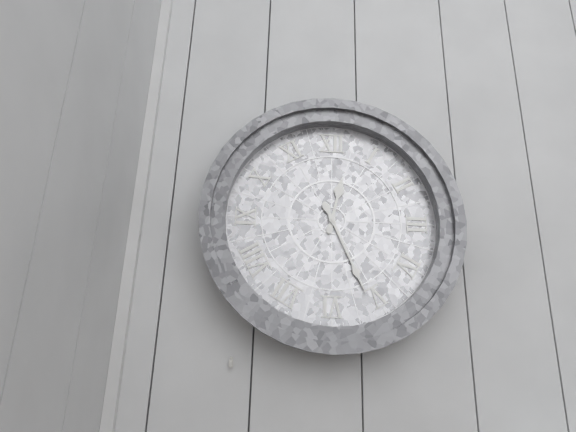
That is 12:26
